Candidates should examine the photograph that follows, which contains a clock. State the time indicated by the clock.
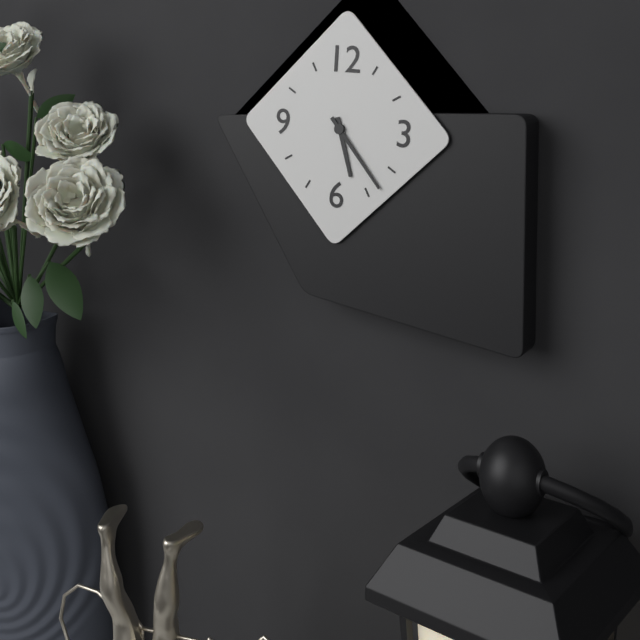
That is 5:23
